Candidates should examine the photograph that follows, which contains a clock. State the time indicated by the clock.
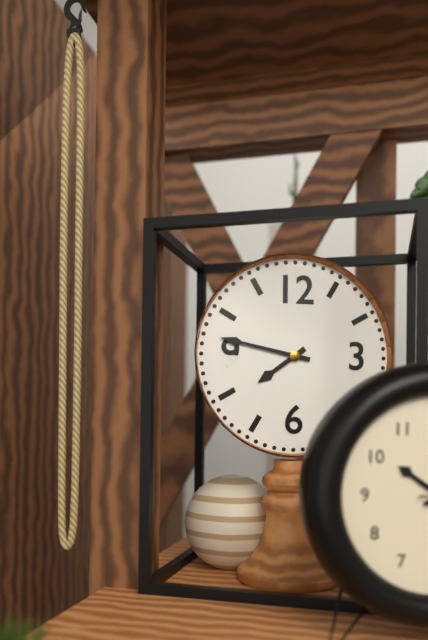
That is 7:47
